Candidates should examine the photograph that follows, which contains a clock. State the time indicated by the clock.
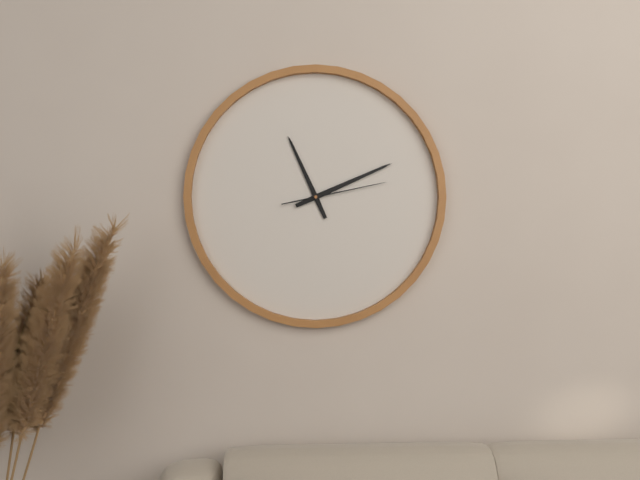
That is 11:11:13
